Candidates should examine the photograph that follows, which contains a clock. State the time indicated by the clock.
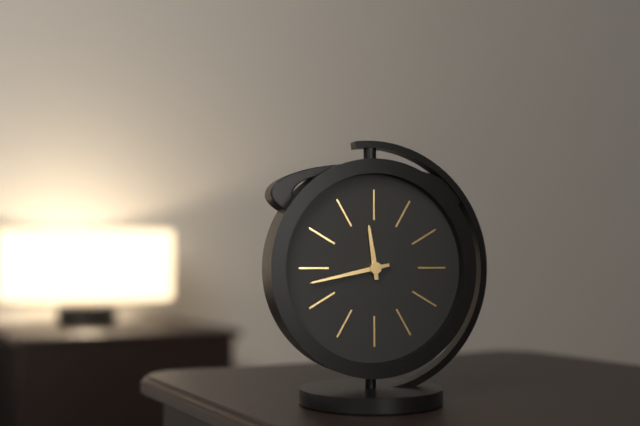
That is 11:43
